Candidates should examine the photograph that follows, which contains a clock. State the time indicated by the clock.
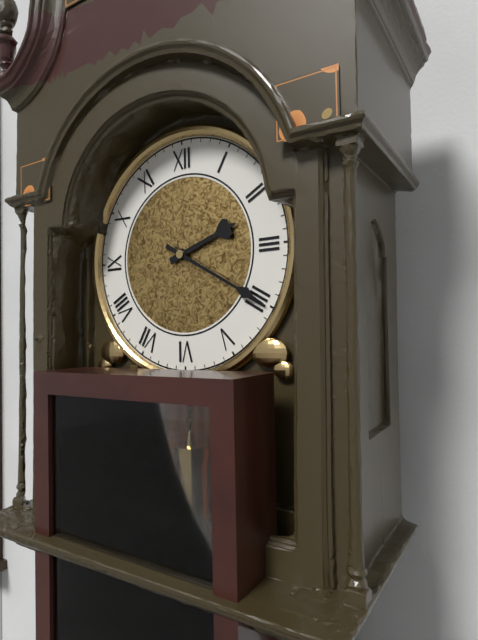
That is 2:20
